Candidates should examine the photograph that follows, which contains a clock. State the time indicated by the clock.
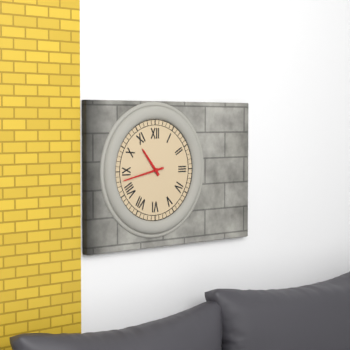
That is 10:43
